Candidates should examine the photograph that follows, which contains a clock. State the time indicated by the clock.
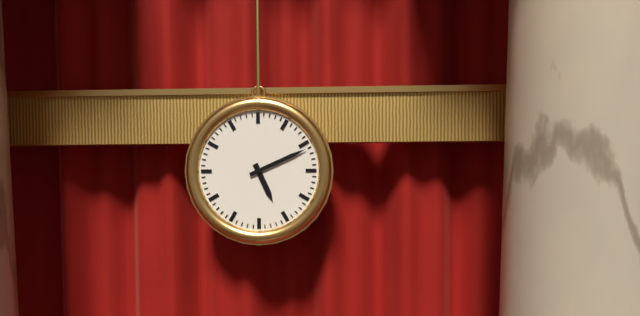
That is 5:11
